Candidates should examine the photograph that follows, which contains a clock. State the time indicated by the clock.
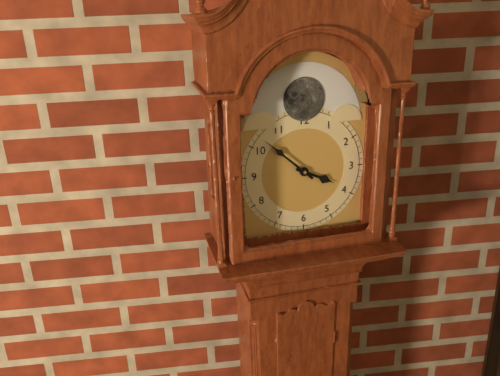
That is 3:52
